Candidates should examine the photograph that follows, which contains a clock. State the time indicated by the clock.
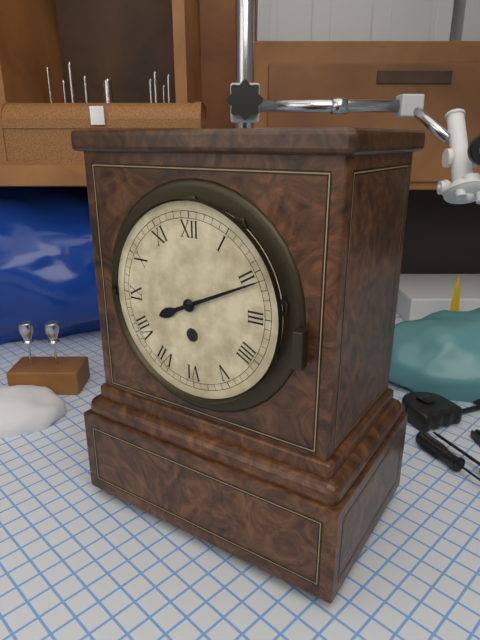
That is 8:11
